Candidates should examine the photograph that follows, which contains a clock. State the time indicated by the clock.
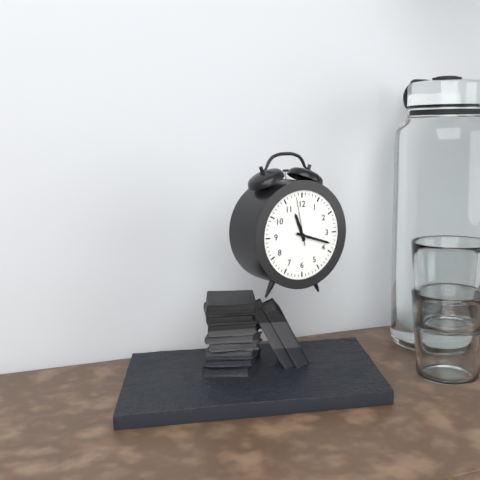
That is 11:18
